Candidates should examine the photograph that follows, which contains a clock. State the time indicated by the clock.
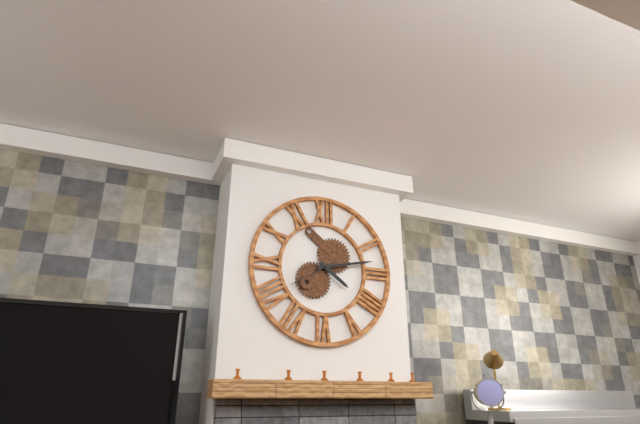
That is 4:13:40
